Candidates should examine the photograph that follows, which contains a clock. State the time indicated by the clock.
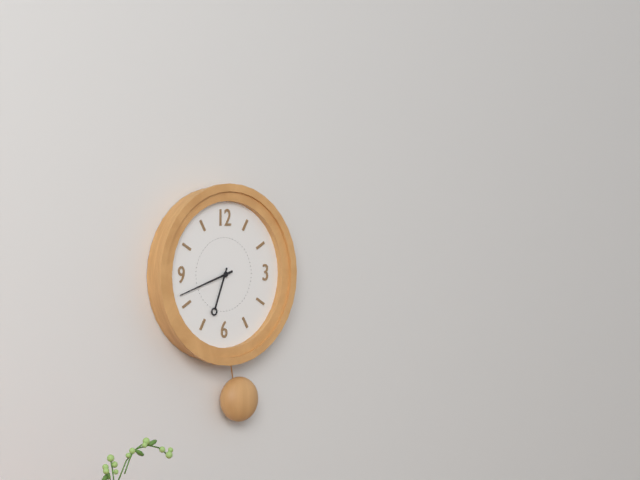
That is 6:42
